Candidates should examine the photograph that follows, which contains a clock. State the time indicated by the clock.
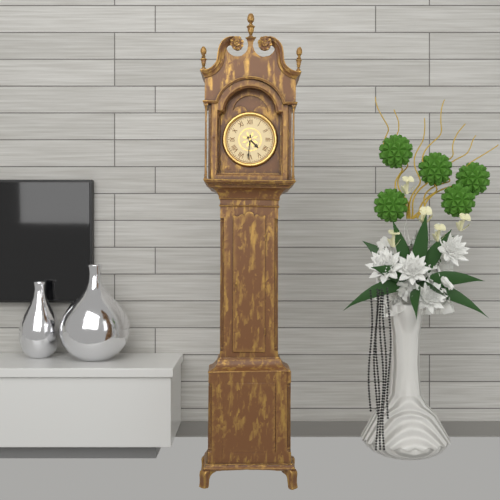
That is 4:31
